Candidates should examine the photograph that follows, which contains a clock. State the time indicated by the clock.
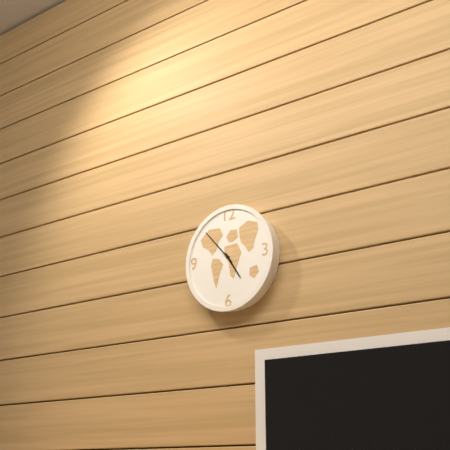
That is 4:53
